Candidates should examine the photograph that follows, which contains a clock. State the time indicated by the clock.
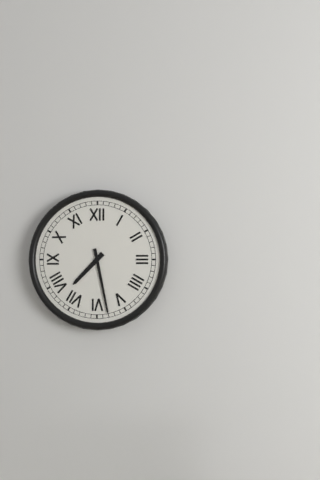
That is 7:28
